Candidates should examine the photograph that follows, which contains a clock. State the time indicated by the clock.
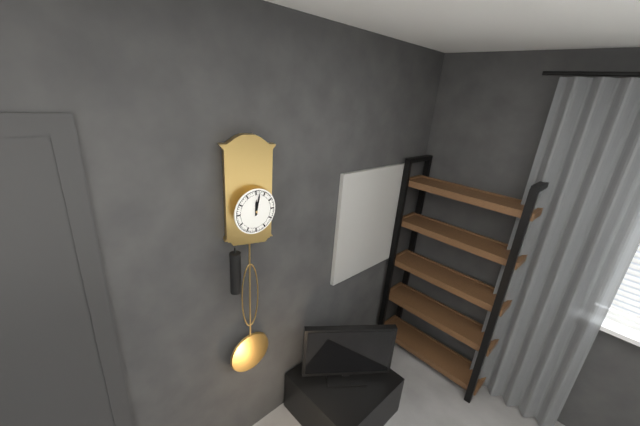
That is 12:02
